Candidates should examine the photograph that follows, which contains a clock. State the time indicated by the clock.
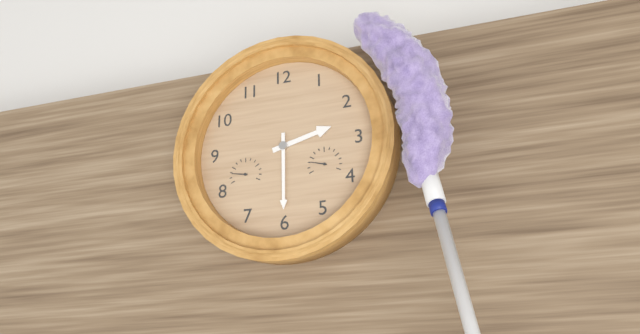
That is 2:30
